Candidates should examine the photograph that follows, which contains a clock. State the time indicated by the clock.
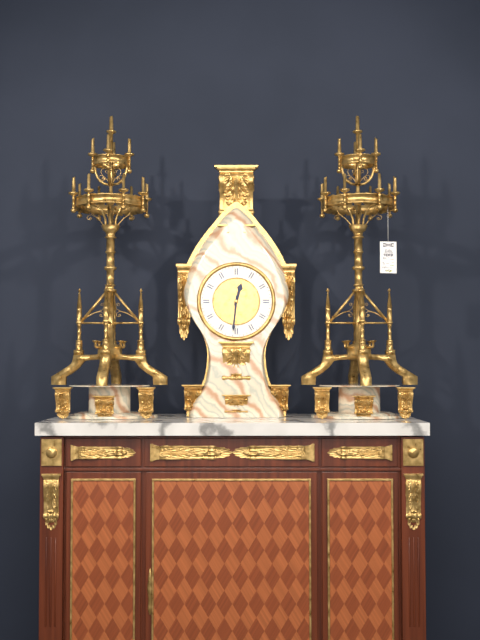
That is 12:31
